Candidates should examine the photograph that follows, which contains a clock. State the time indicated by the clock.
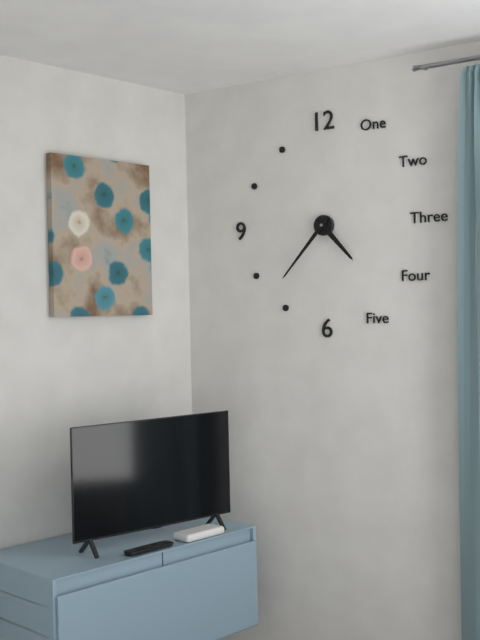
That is 4:37
